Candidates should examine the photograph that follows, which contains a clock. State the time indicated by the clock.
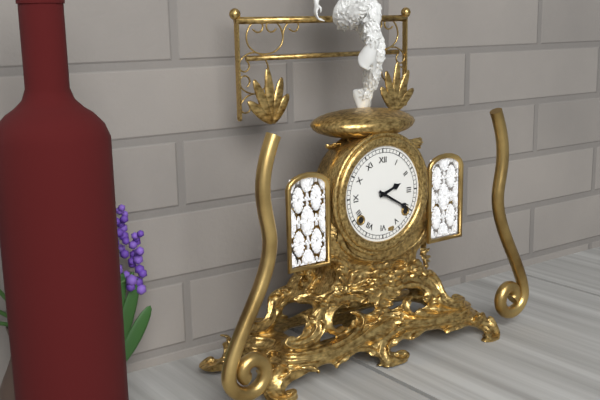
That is 2:20
